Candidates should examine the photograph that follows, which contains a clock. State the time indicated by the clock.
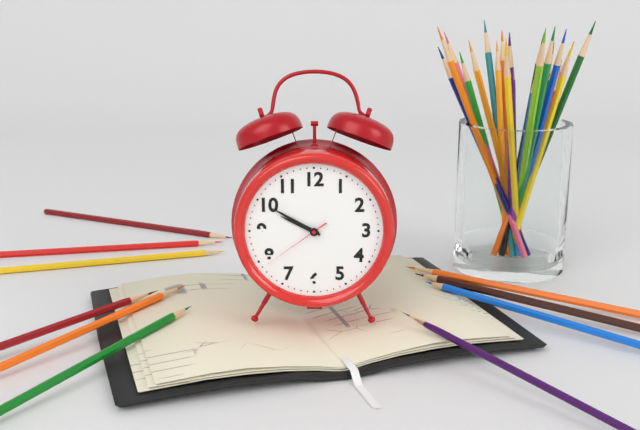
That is 9:50:39
